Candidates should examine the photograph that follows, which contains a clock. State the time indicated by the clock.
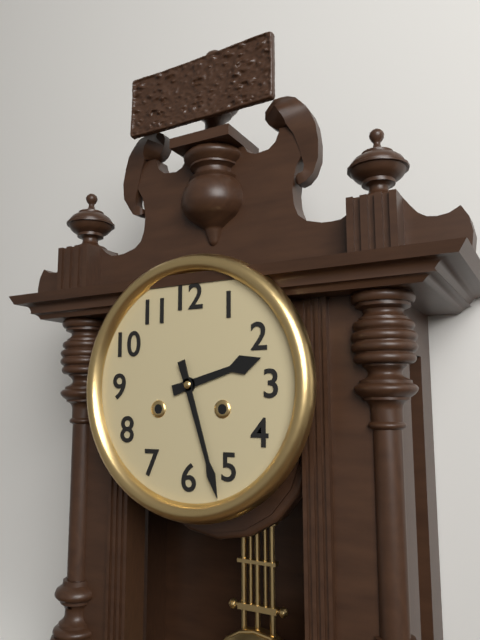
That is 2:27
